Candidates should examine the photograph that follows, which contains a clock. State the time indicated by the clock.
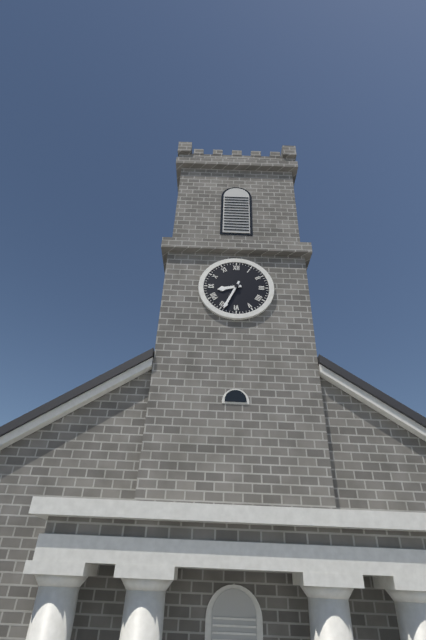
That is 8:34
